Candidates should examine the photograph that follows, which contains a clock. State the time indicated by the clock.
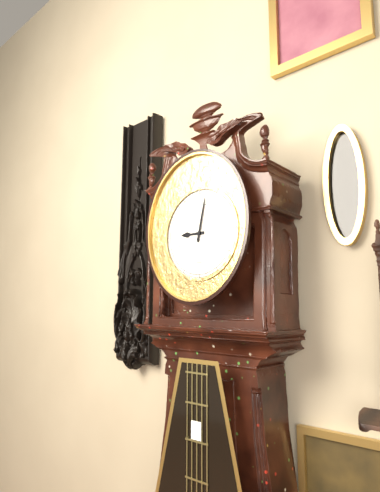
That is 9:02
